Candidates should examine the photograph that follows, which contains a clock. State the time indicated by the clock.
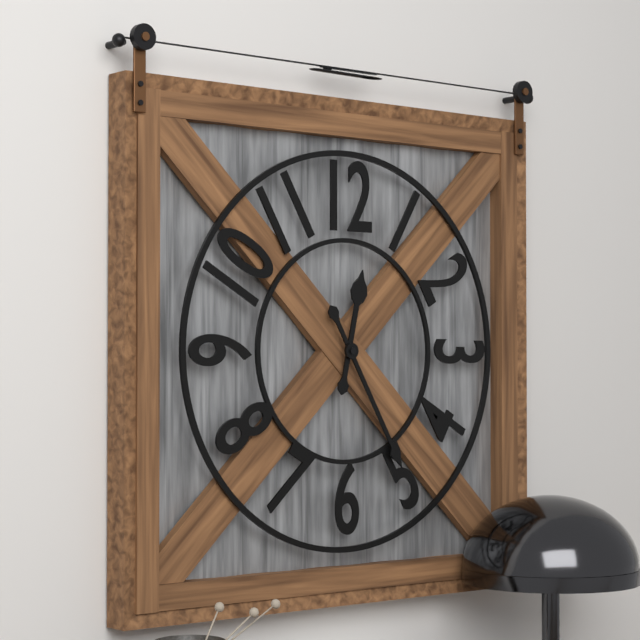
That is 12:25
